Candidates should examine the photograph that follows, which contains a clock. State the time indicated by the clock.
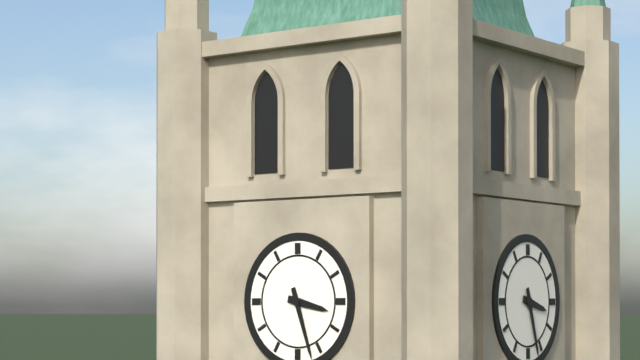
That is 3:27
